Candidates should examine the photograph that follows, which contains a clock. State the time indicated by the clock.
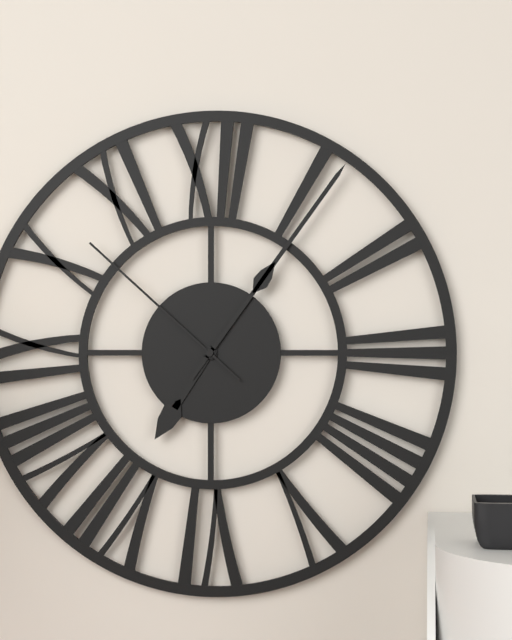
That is 7:06:52
